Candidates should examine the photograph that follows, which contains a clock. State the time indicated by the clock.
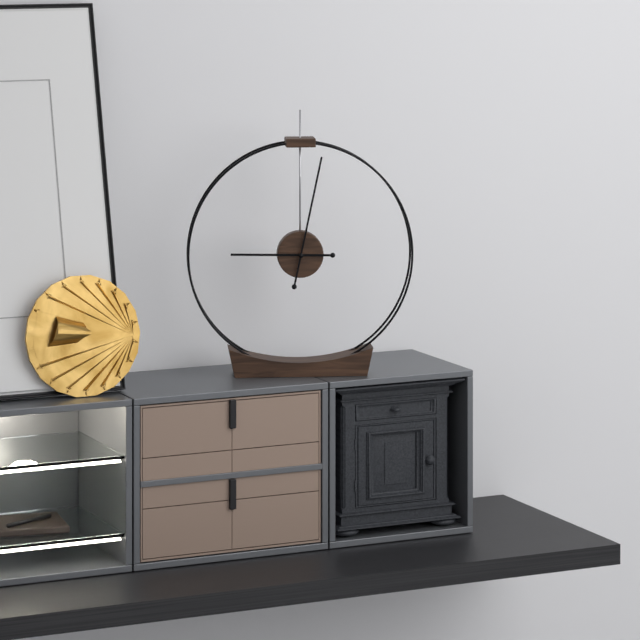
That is 9:02
